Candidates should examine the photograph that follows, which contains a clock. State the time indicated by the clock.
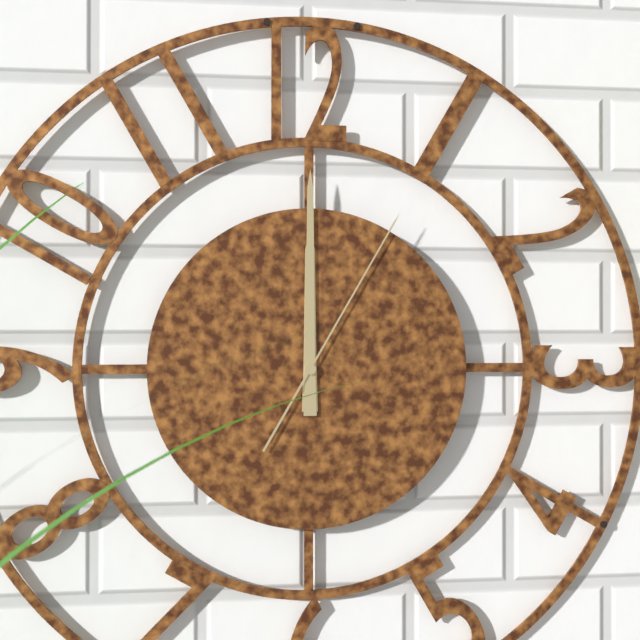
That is 12:00:05
